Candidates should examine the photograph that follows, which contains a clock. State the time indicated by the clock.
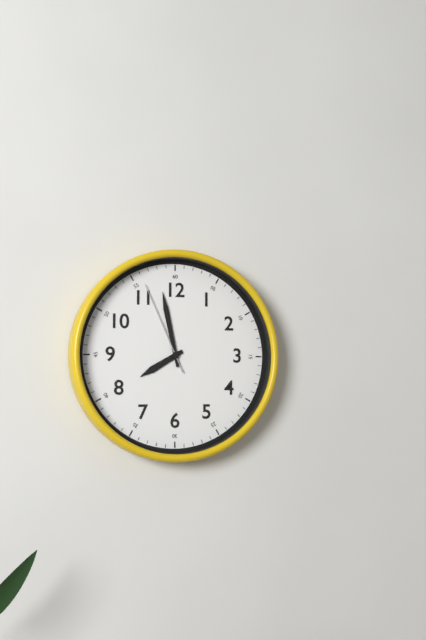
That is 7:58:56
